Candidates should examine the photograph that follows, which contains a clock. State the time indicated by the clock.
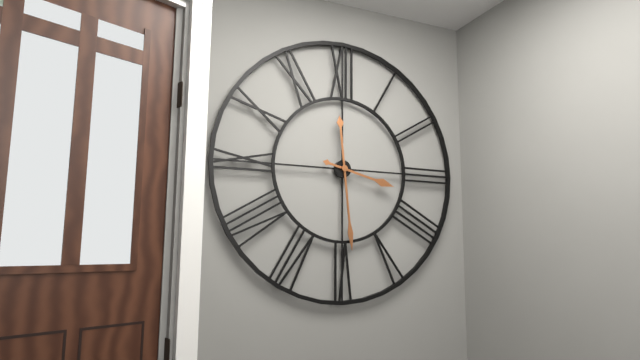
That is 3:29
